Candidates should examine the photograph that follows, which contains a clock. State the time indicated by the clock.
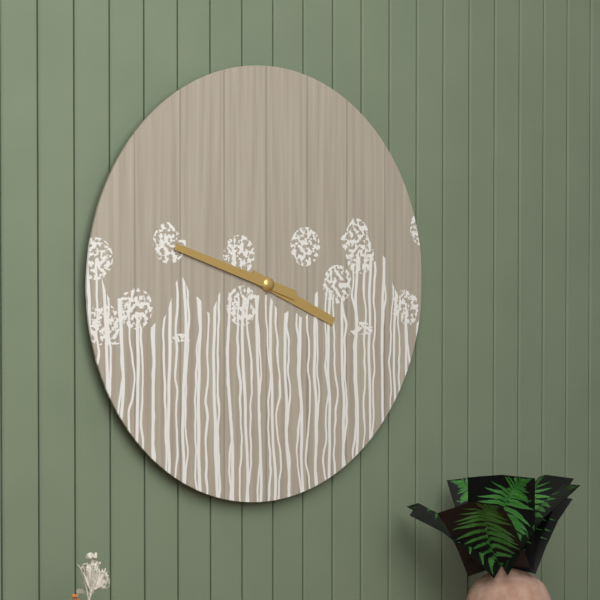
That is 3:48
